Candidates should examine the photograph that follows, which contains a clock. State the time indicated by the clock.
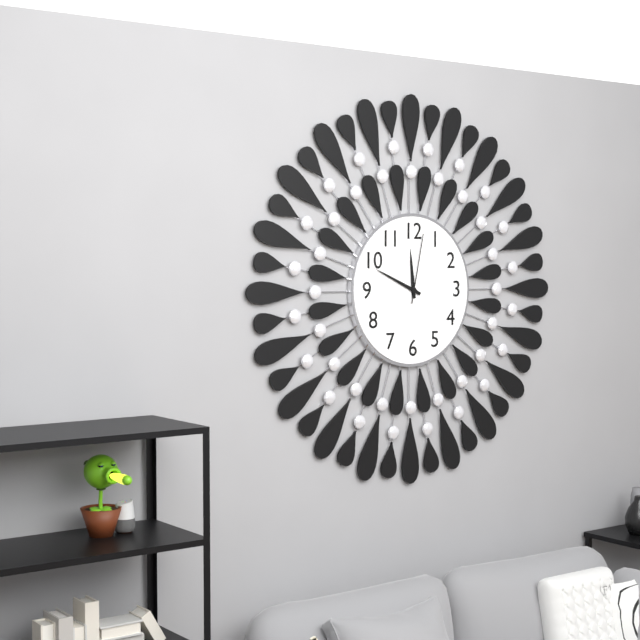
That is 11:49:02
